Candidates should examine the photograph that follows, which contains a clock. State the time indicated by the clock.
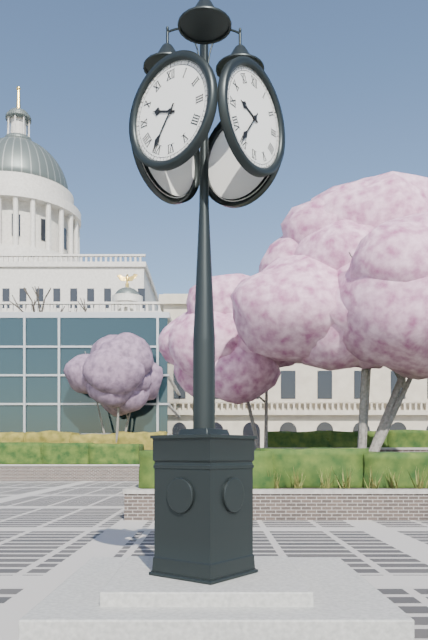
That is 9:36
